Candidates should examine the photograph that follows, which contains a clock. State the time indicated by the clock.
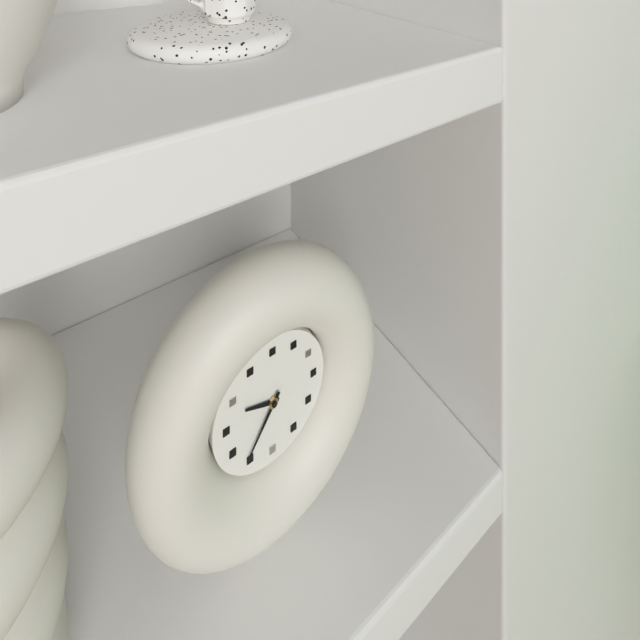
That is 9:36
